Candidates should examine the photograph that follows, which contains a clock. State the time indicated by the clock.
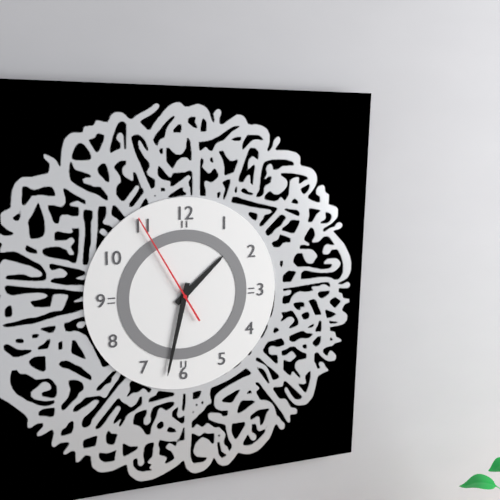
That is 1:32:55
